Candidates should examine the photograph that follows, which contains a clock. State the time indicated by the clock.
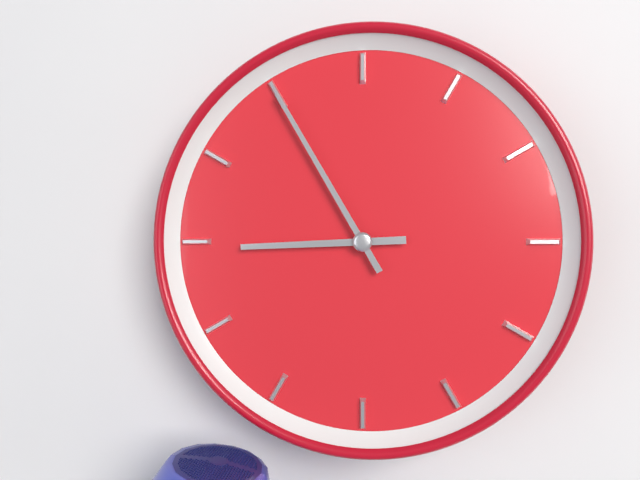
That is 8:55
